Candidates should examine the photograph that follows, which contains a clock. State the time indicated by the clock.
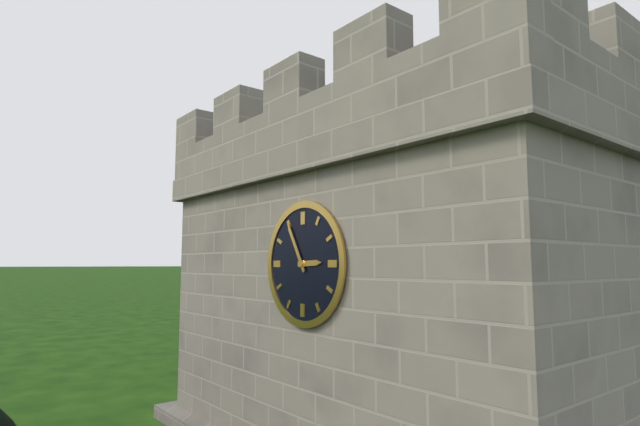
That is 2:55
